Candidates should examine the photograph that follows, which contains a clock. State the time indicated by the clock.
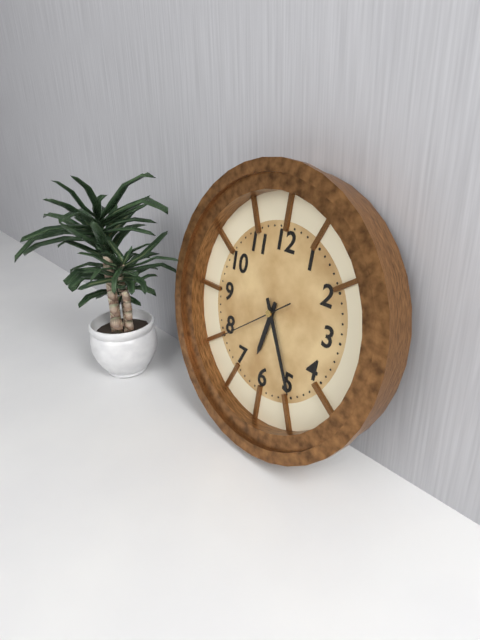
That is 6:25:39
